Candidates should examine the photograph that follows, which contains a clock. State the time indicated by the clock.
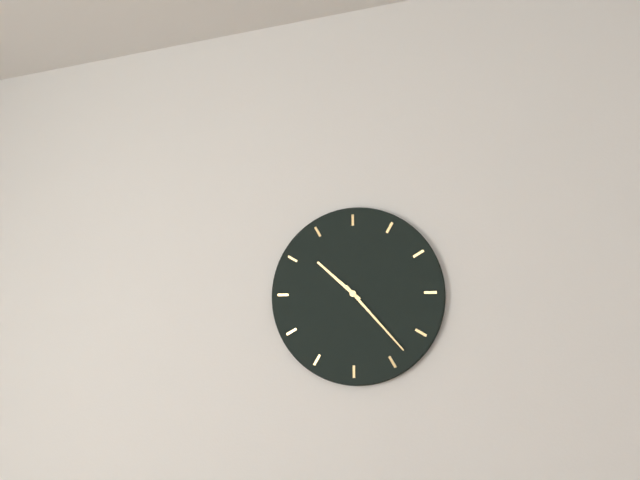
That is 10:23
